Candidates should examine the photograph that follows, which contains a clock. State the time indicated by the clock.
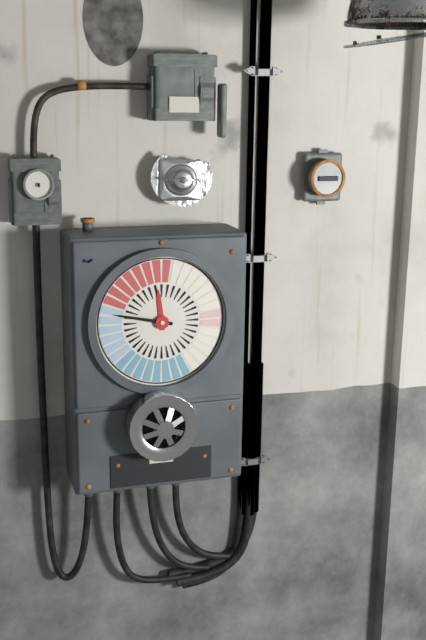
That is 11:47
